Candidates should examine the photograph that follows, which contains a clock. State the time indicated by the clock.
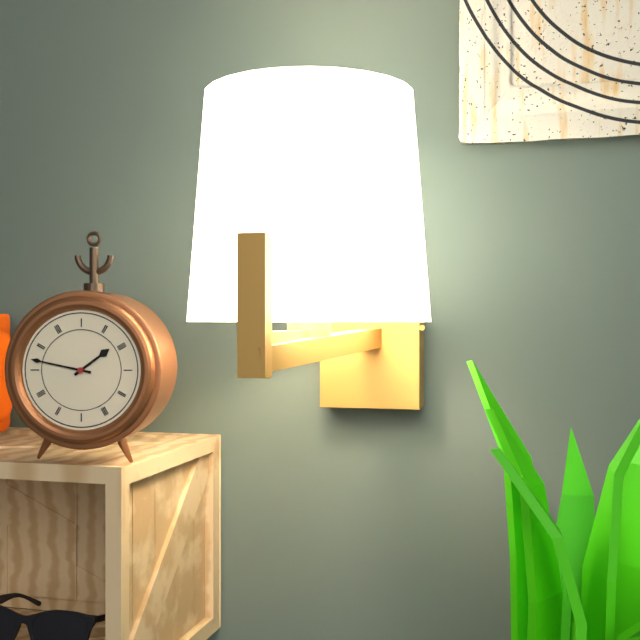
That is 1:47
